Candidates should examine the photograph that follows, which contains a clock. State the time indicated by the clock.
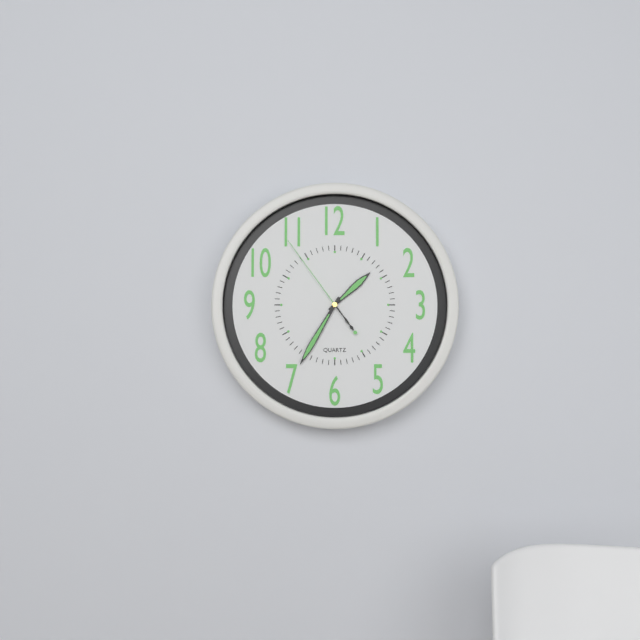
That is 1:35:54
